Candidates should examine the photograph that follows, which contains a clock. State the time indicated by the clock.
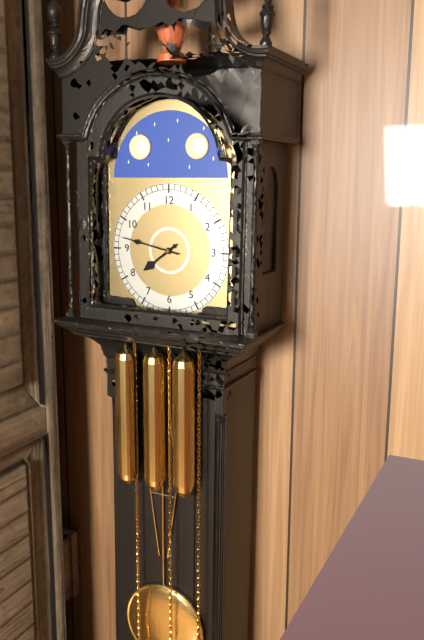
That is 7:47
